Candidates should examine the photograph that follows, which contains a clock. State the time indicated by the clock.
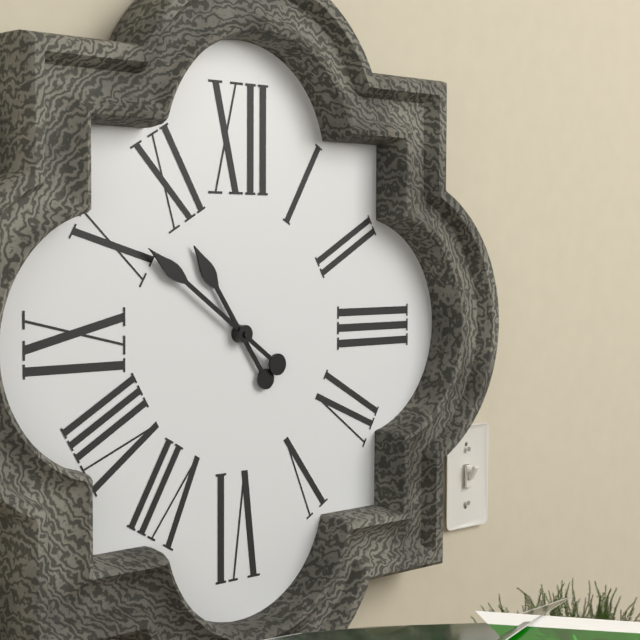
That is 10:51
